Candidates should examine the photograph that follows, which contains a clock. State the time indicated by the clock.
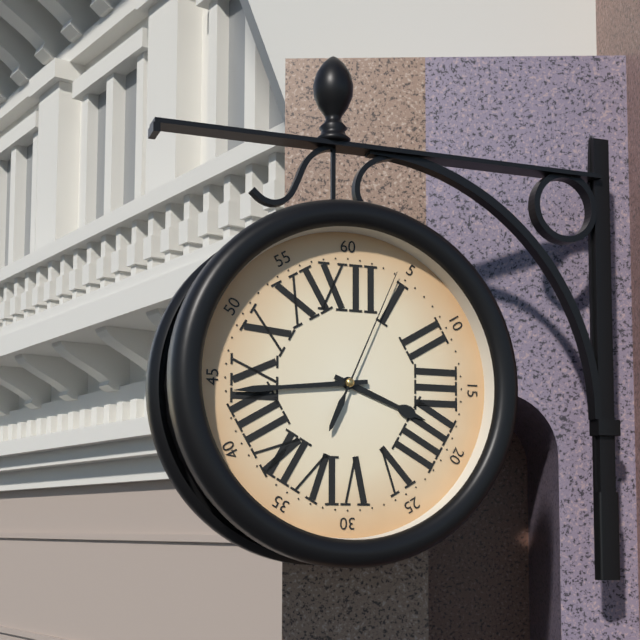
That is 3:44:04
